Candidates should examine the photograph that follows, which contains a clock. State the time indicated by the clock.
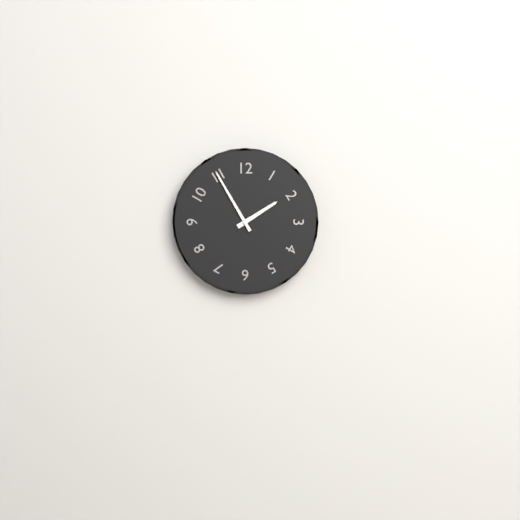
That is 1:55
